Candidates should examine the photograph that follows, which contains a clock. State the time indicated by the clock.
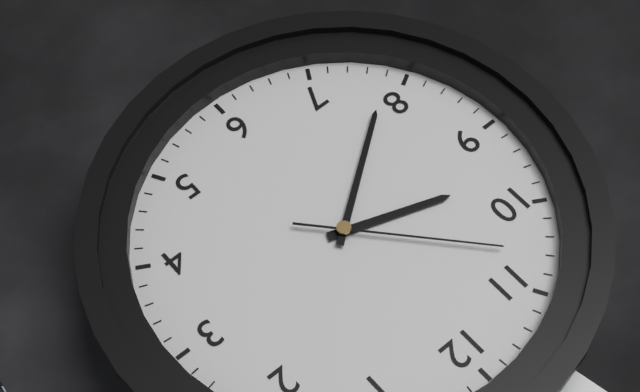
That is 9:39:53
